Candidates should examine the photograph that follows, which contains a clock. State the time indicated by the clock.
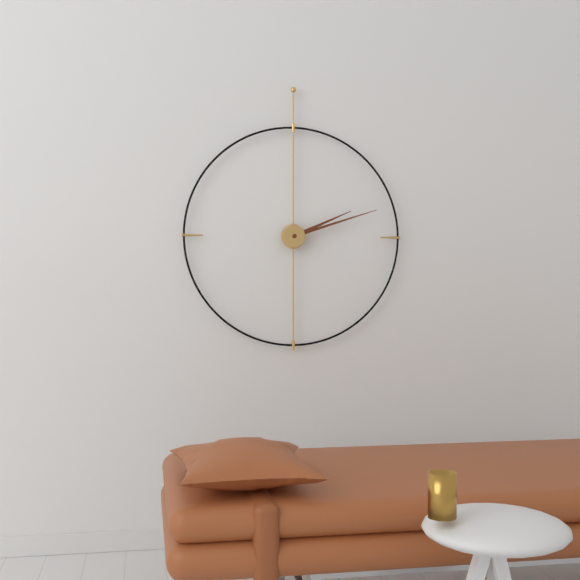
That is 2:12
